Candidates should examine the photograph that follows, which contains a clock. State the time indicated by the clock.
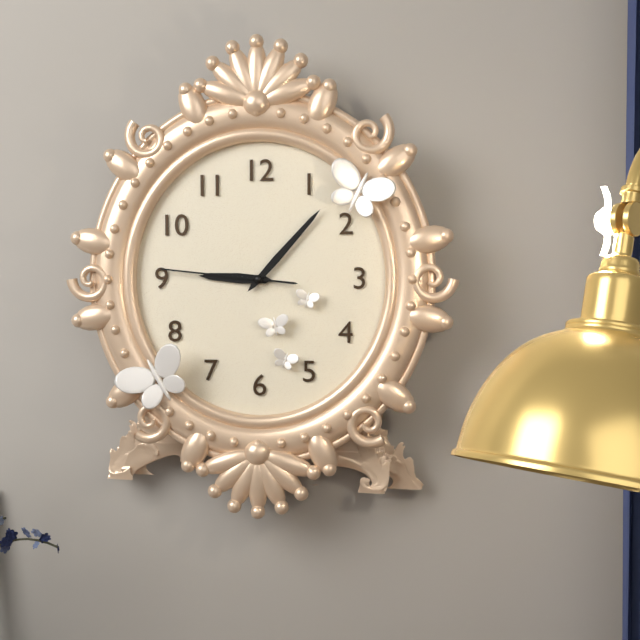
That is 9:07:46
